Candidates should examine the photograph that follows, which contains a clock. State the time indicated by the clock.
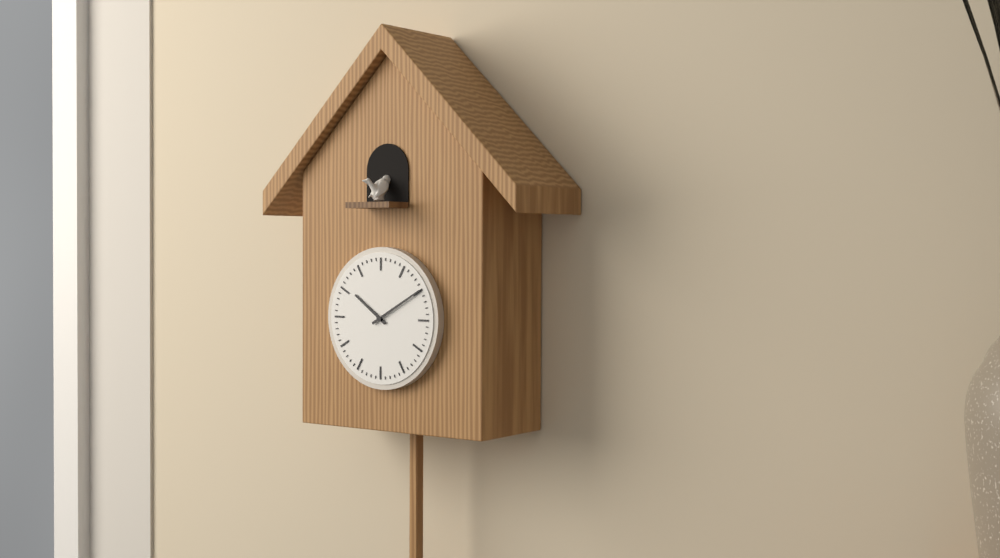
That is 10:10
